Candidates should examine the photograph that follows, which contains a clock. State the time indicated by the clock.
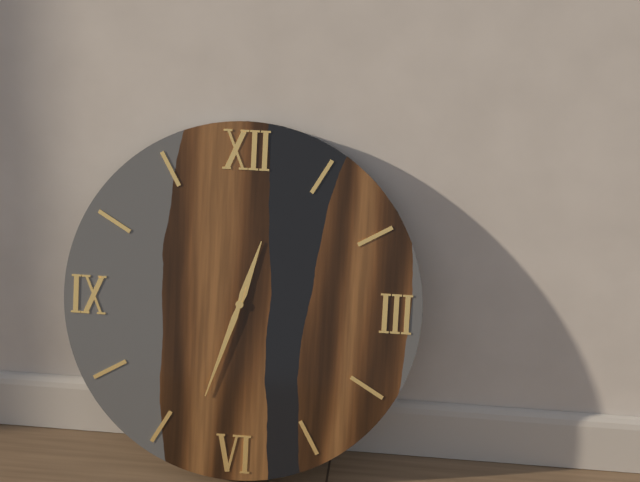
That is 12:33
